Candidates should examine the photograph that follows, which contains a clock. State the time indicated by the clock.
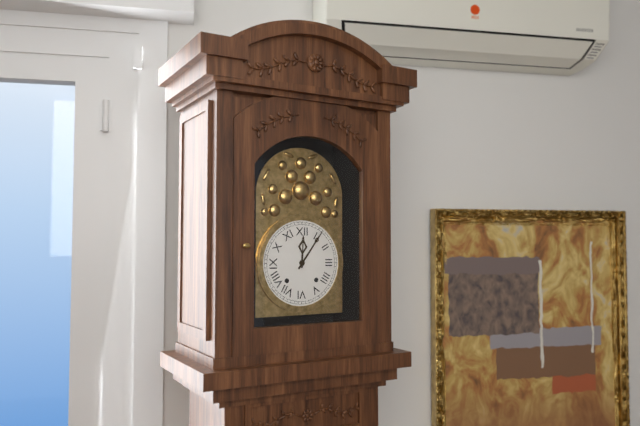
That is 12:06
